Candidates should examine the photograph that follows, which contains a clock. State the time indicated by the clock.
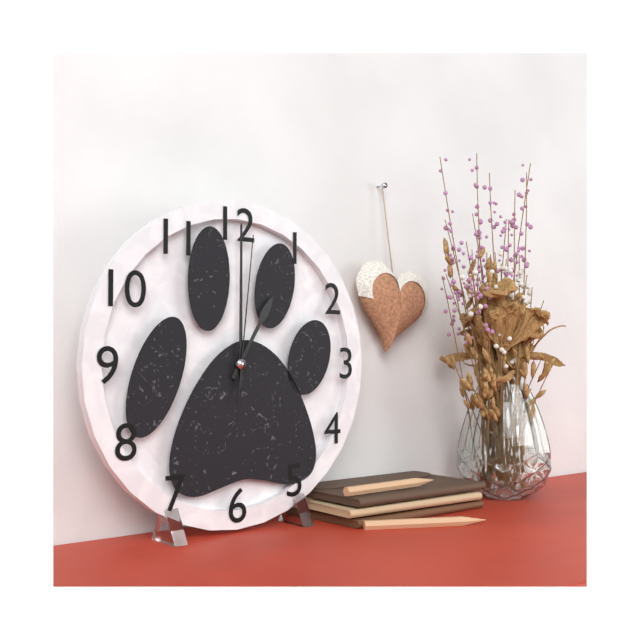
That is 1:00:01
